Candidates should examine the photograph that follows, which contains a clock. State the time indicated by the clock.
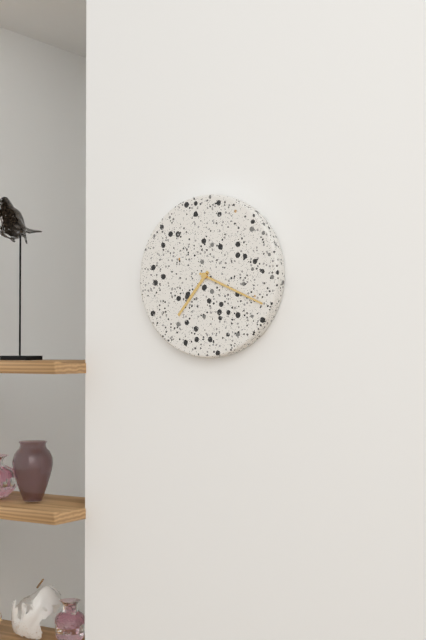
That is 7:19
